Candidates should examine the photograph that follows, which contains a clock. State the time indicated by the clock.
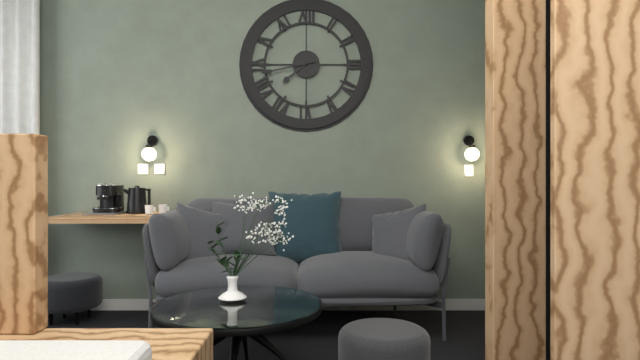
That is 7:43
